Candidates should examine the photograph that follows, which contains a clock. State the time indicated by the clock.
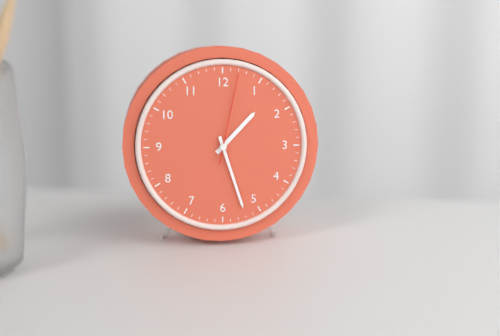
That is 1:27:02
